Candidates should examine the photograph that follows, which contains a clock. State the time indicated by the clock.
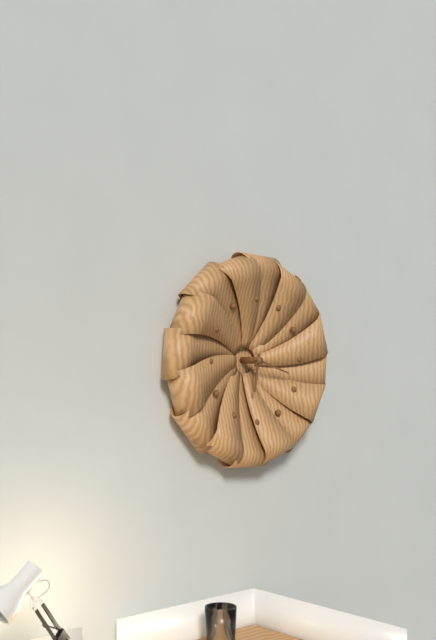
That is 6:18
